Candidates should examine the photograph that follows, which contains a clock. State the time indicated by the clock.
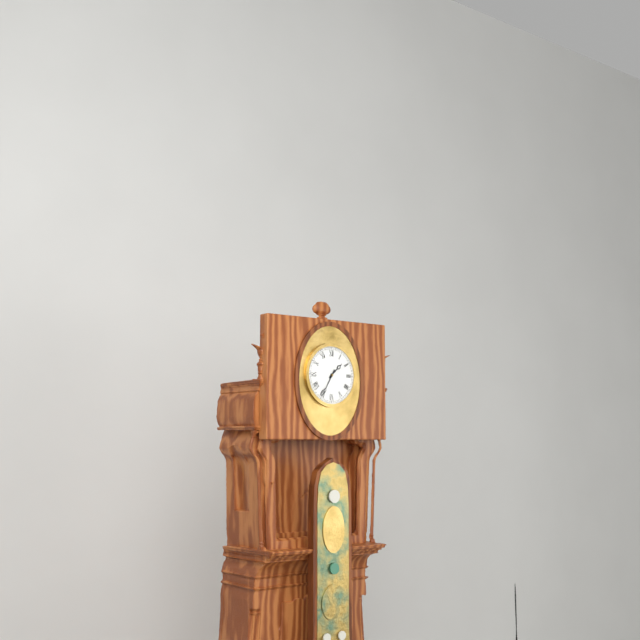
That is 1:35
